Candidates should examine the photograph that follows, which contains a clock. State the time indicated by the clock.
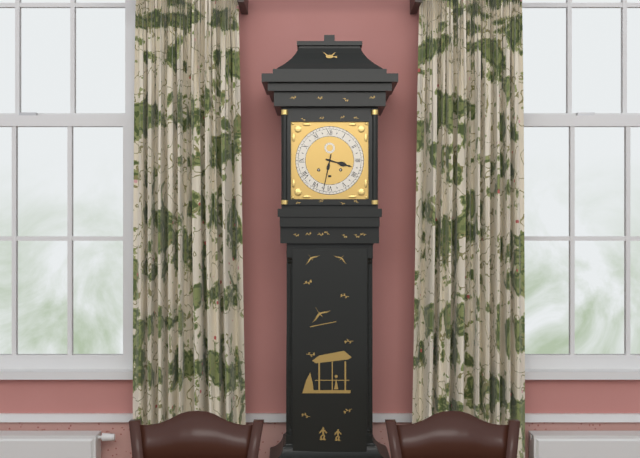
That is 3:32
